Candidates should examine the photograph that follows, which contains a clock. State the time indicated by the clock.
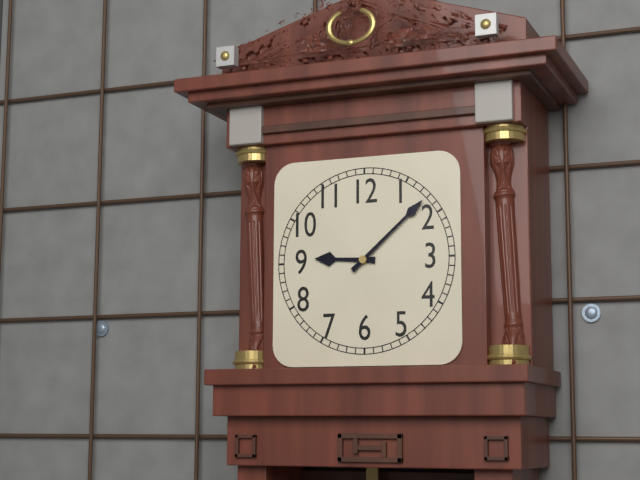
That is 9:08
